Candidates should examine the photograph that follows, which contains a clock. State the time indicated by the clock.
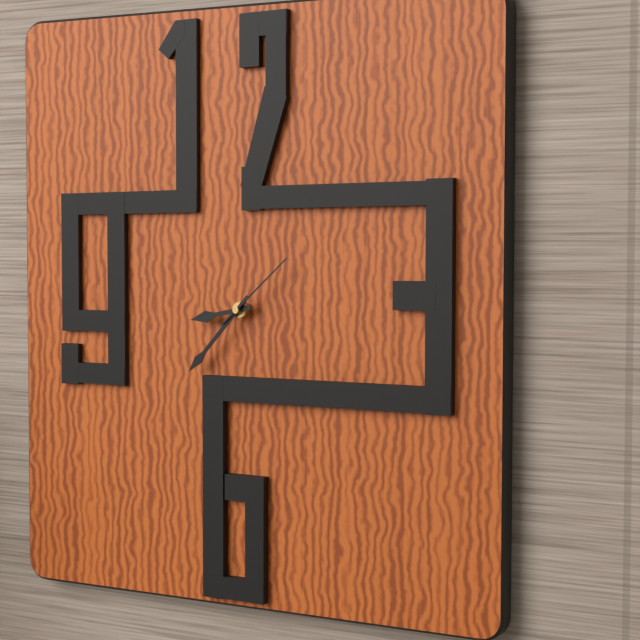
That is 8:37:08
